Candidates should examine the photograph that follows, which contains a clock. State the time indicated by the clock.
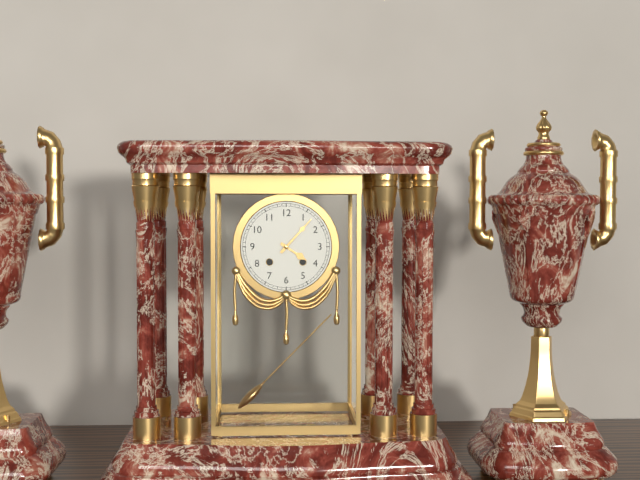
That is 4:07
